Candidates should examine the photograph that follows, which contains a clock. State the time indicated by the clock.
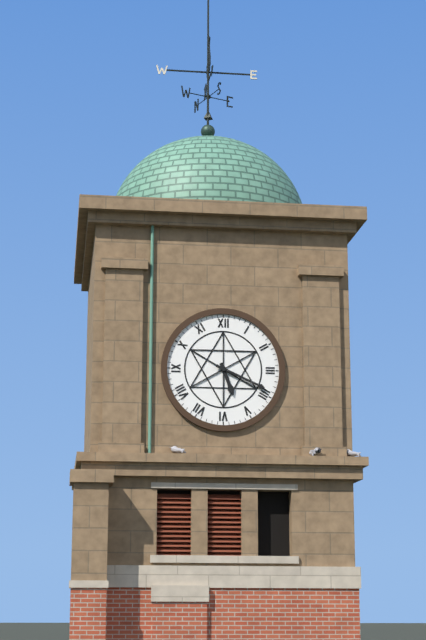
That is 5:19
